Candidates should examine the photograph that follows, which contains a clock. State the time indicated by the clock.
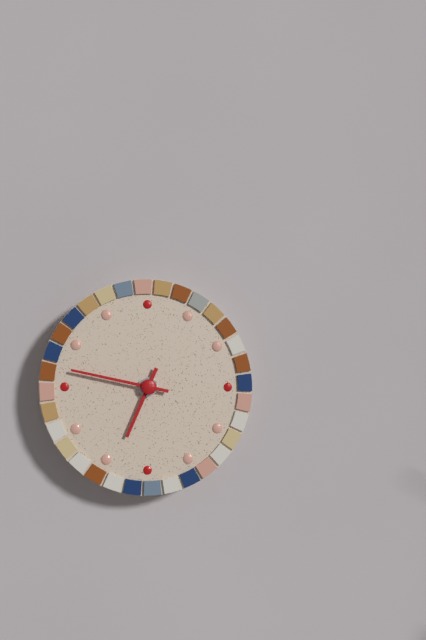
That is 6:47
